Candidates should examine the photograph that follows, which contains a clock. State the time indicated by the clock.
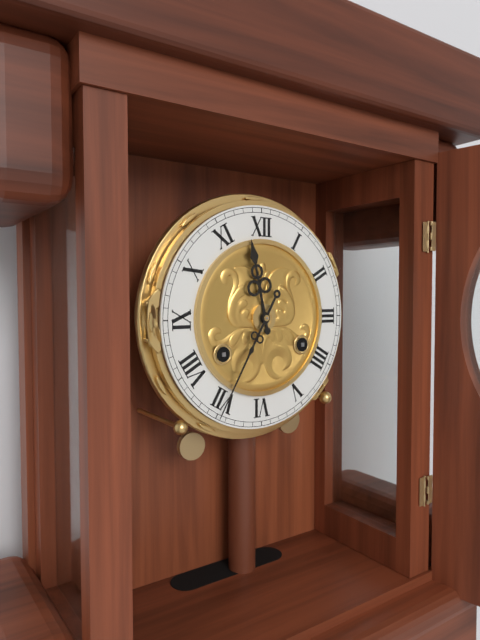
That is 11:35
